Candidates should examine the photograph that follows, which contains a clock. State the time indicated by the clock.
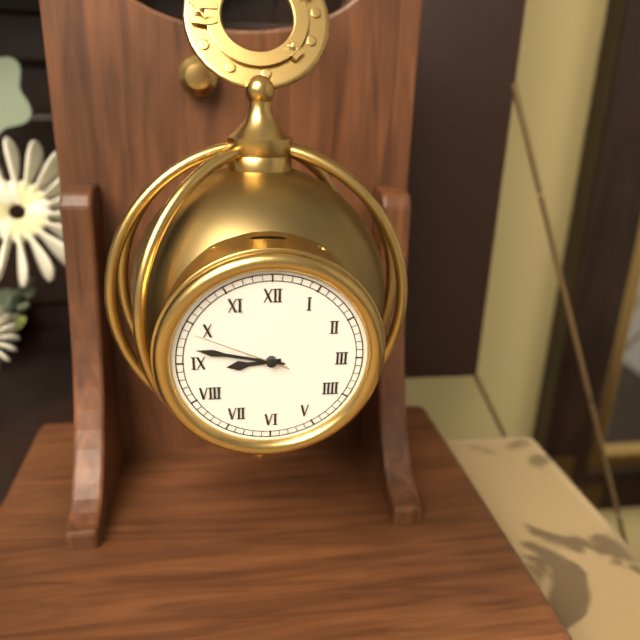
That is 8:47:49
